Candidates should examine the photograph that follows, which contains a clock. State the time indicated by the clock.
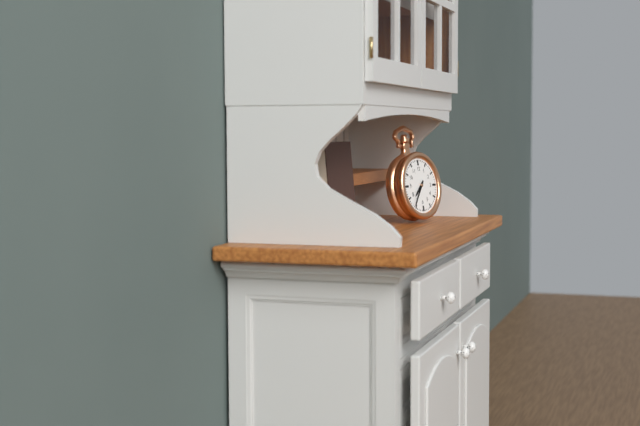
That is 7:36
